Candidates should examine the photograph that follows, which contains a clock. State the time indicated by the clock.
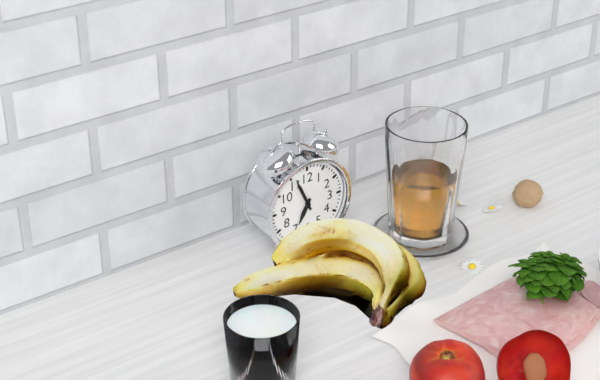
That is 6:56
